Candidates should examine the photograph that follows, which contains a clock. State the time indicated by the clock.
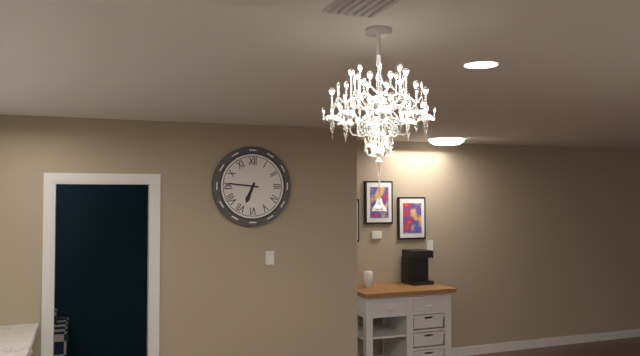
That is 6:46
